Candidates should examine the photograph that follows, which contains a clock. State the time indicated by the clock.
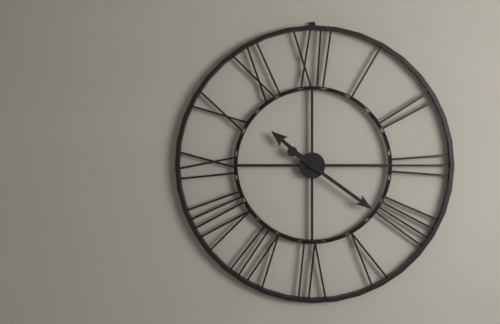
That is 10:21
